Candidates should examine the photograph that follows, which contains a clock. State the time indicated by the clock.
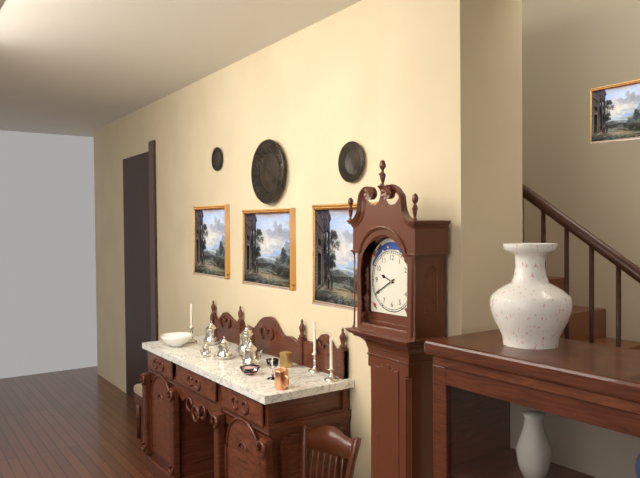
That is 9:40
